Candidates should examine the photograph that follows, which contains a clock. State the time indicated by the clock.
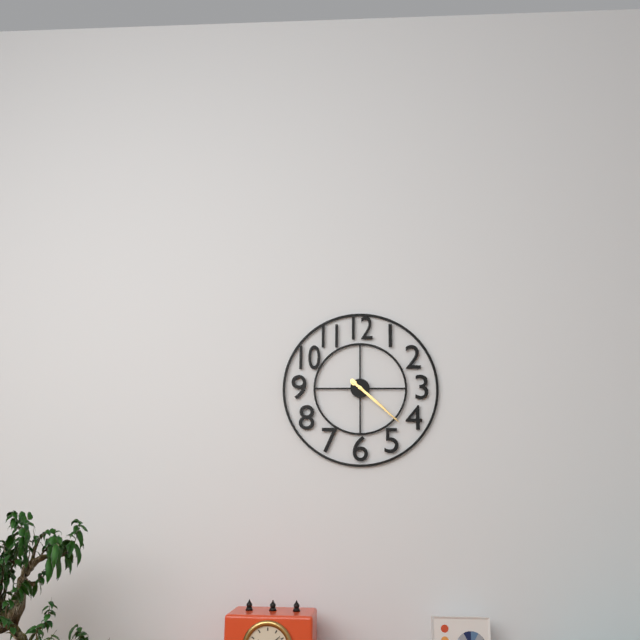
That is 4:22
